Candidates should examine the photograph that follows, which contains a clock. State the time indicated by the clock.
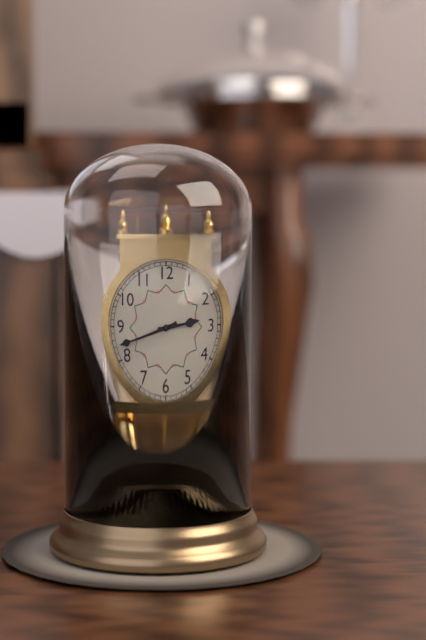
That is 2:42
